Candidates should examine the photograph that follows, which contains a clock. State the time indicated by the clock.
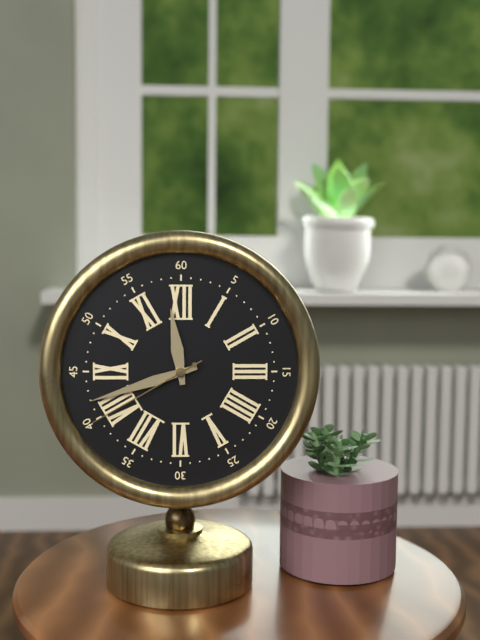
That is 11:42:40
